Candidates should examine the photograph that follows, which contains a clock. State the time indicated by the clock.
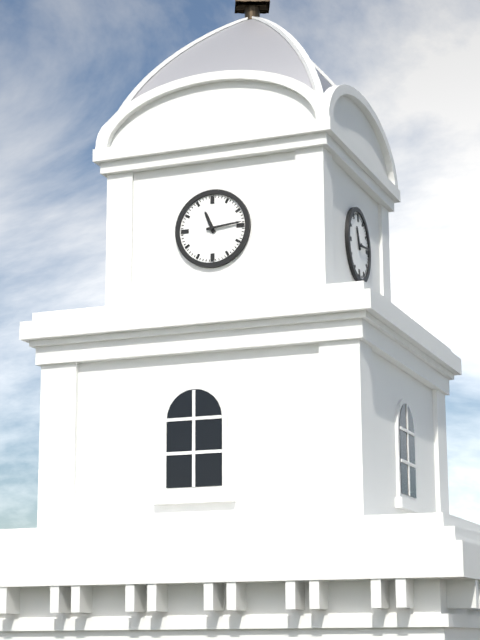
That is 11:14
